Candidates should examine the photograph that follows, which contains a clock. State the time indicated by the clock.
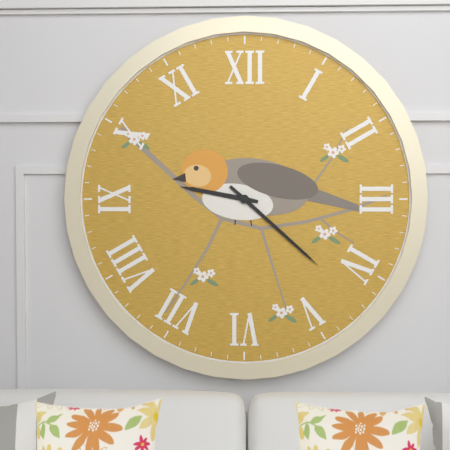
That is 9:22
